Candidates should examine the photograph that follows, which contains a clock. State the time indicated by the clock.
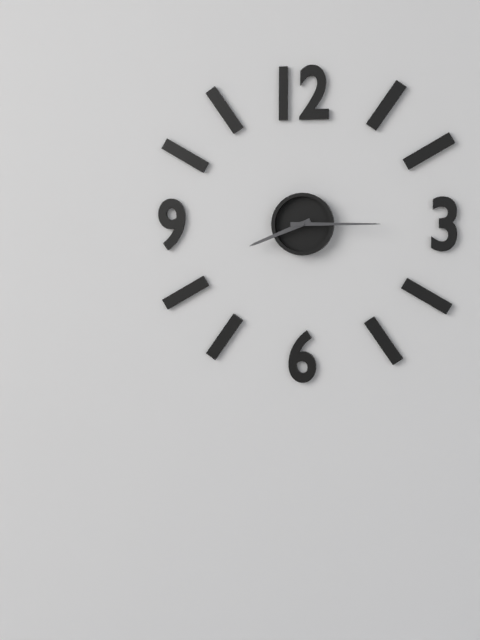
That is 8:15
